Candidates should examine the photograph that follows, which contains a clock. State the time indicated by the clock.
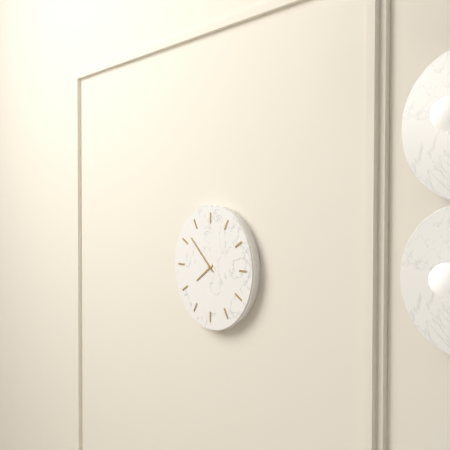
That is 7:52
